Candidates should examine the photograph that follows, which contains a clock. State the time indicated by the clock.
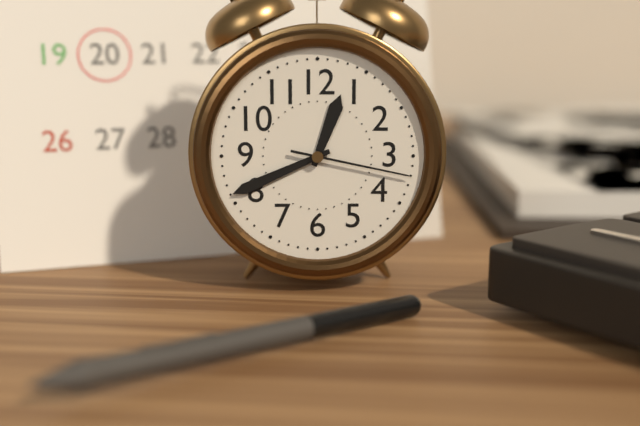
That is 12:41:17
